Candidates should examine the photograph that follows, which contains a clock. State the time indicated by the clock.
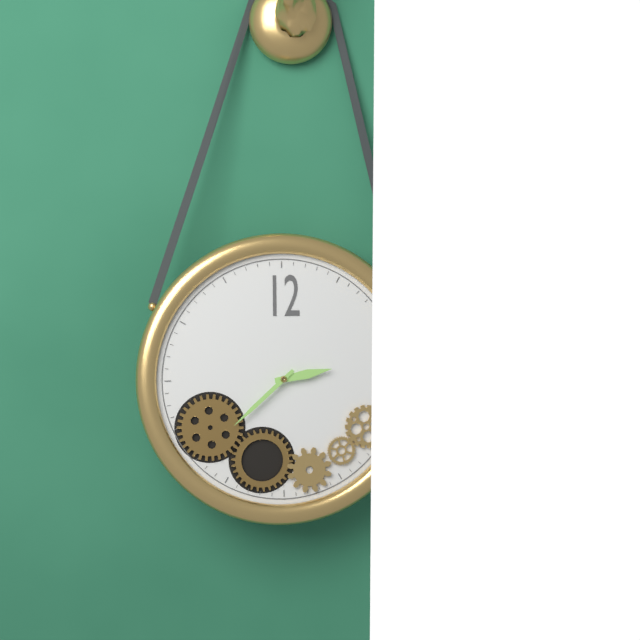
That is 2:38
